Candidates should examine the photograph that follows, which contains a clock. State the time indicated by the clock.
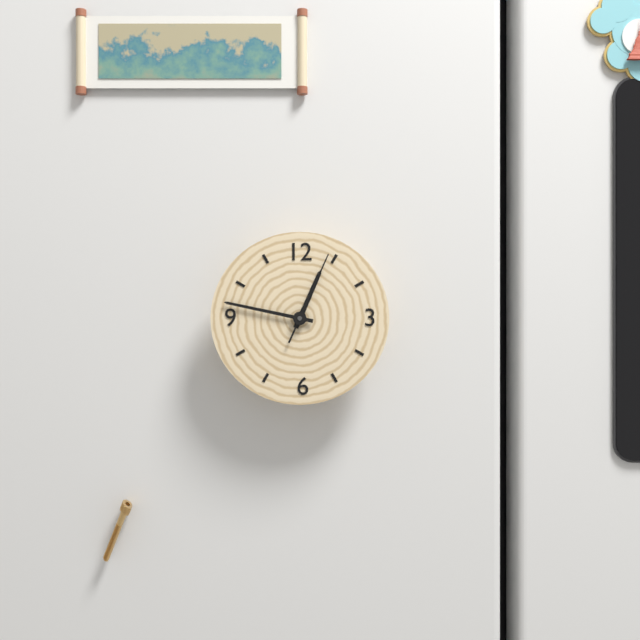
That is 12:47:04
